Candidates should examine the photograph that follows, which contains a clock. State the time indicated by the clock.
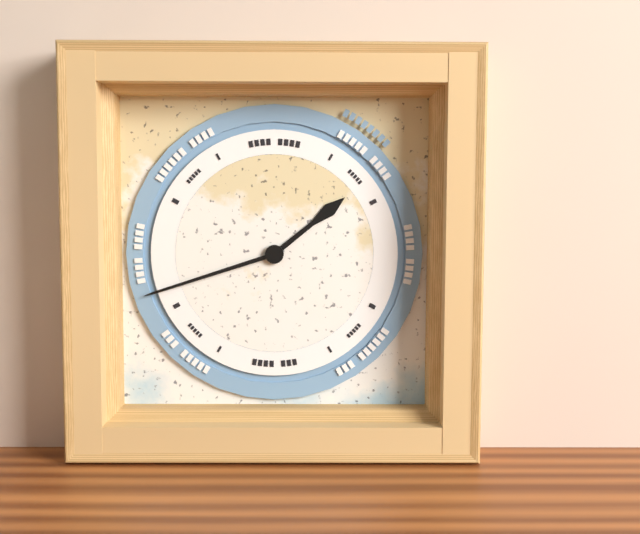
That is 1:42
